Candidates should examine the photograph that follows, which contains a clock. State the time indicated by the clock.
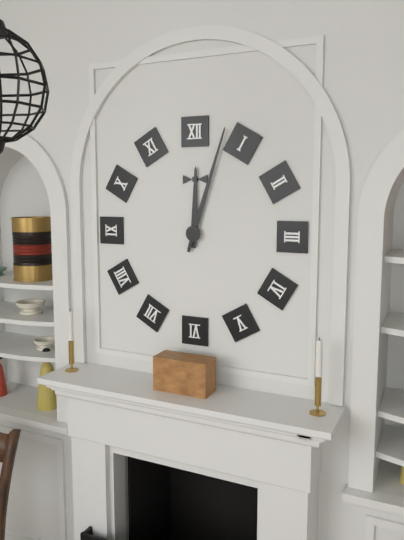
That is 12:03
